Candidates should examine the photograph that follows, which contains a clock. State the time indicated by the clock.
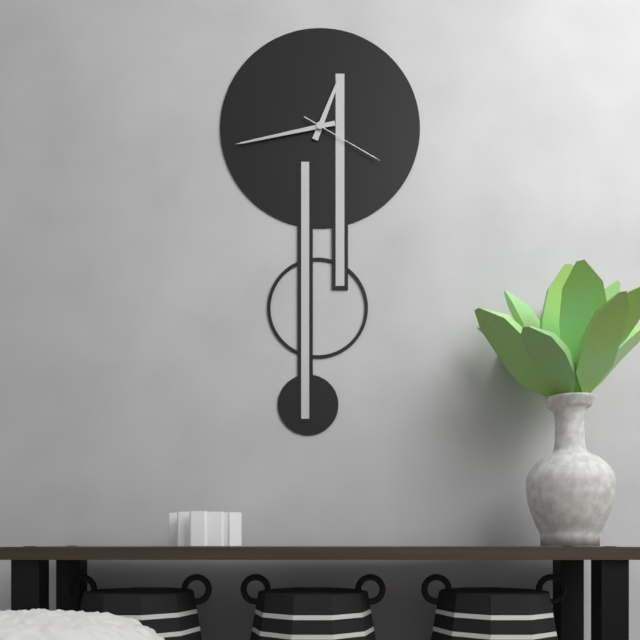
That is 12:43:20
